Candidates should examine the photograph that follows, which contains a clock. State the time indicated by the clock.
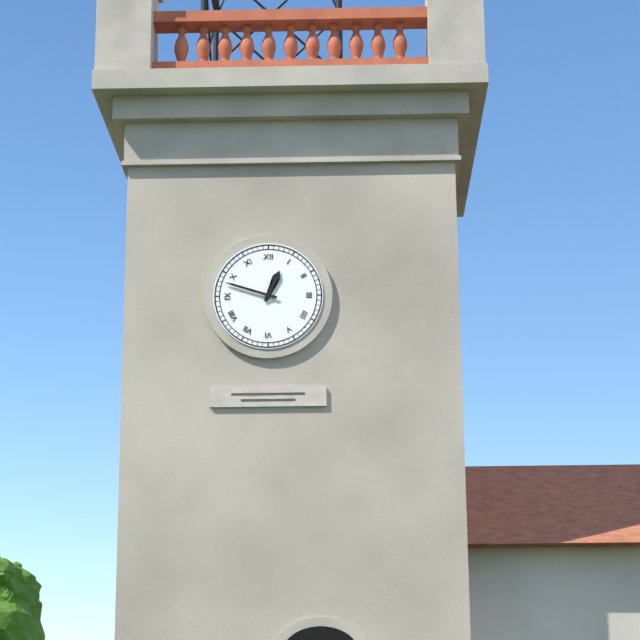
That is 12:48
